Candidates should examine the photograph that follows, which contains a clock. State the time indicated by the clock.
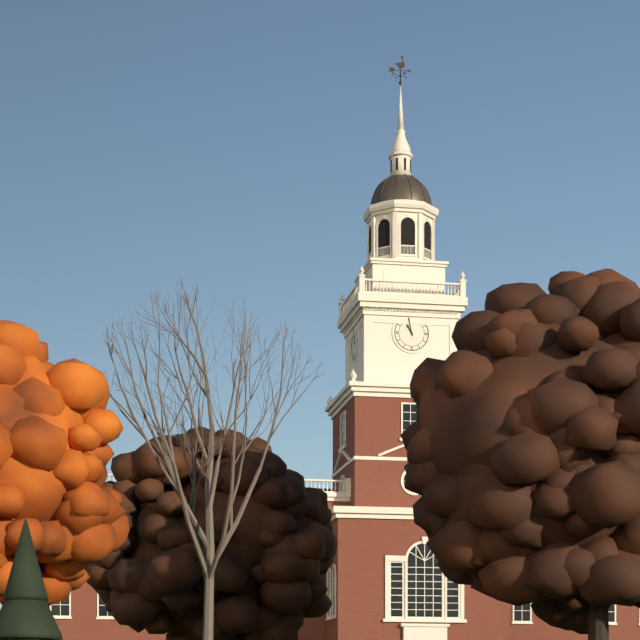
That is 10:58
